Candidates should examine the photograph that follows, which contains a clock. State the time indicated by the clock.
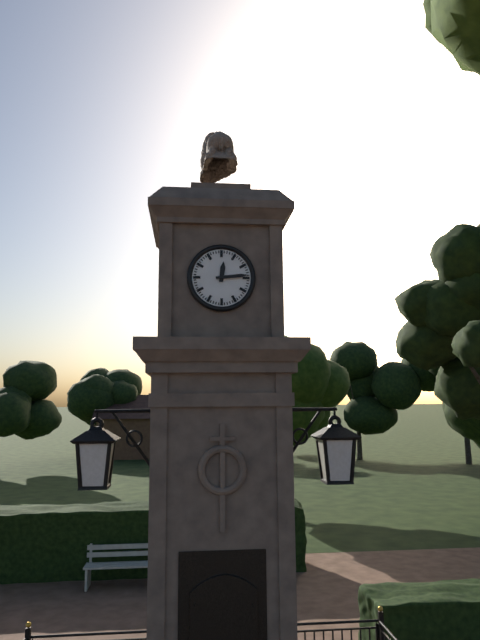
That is 12:14
